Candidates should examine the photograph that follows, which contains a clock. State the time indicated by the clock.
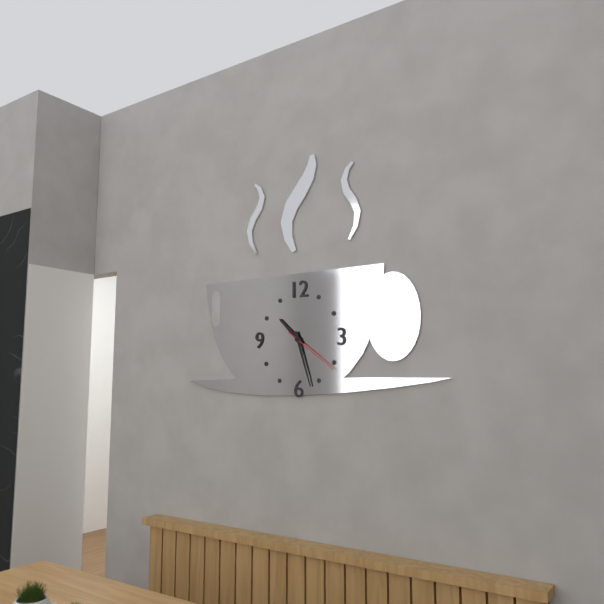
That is 10:27:21
